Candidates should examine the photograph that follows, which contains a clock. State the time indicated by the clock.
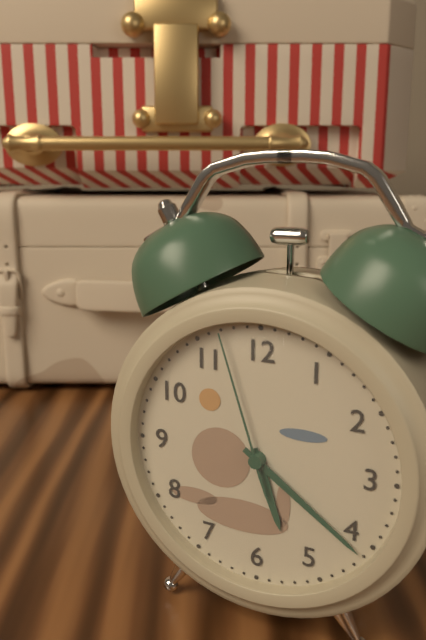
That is 5:21:57
